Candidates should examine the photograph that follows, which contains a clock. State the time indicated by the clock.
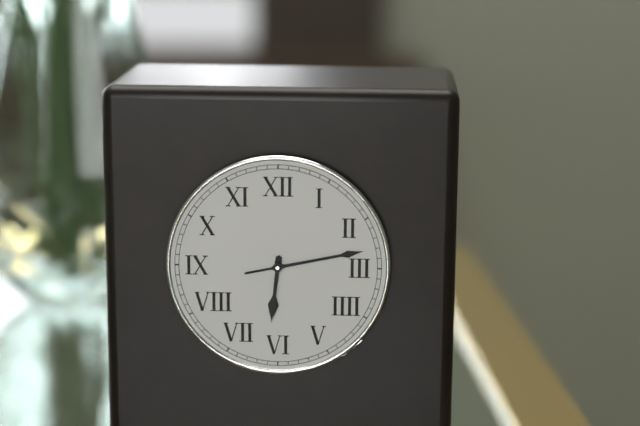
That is 6:13
